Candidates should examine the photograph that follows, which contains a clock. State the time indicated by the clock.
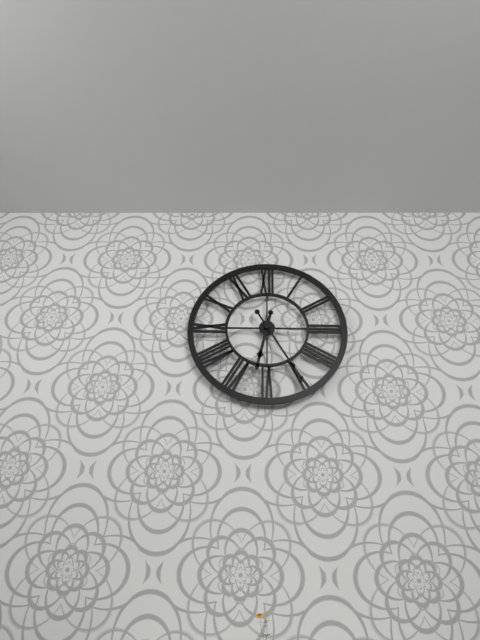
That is 6:25
